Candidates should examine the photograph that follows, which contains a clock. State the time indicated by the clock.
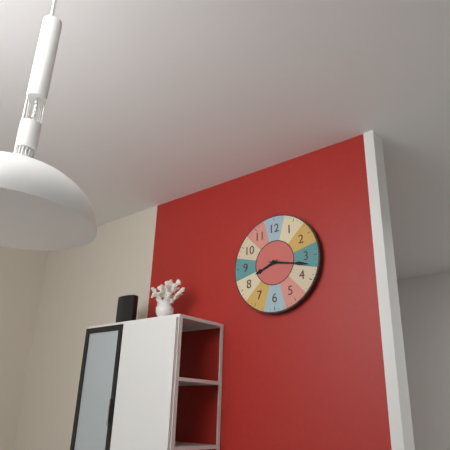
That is 8:17
